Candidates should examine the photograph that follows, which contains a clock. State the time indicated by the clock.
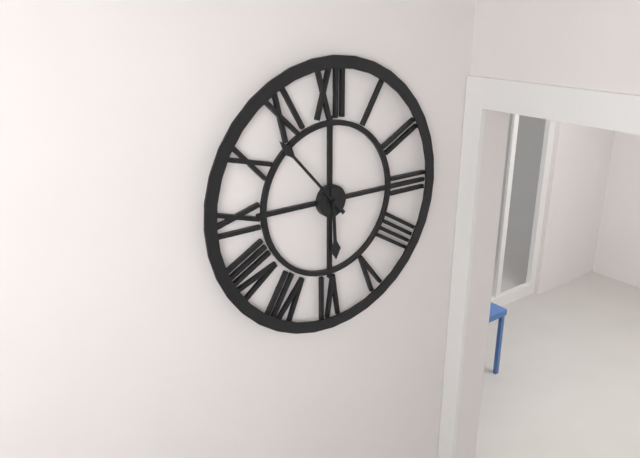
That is 5:53
